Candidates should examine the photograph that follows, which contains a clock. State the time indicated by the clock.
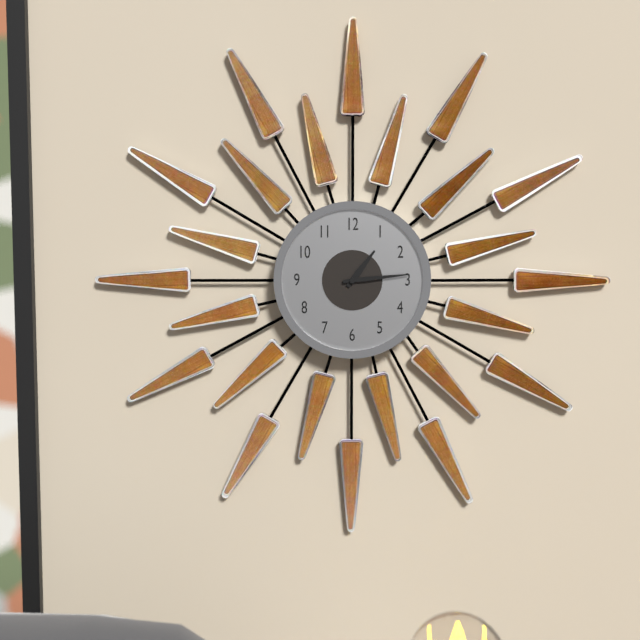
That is 1:14
